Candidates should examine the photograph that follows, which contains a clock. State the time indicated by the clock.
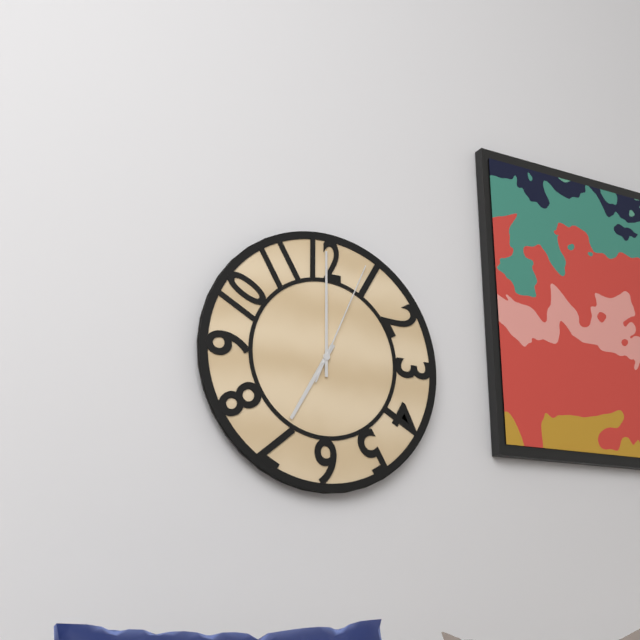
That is 7:00:04
